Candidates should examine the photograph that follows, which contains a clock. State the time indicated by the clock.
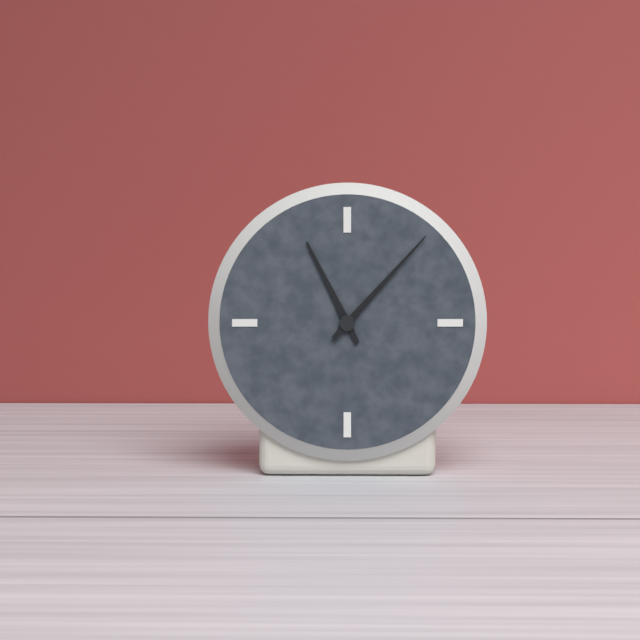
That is 11:07
